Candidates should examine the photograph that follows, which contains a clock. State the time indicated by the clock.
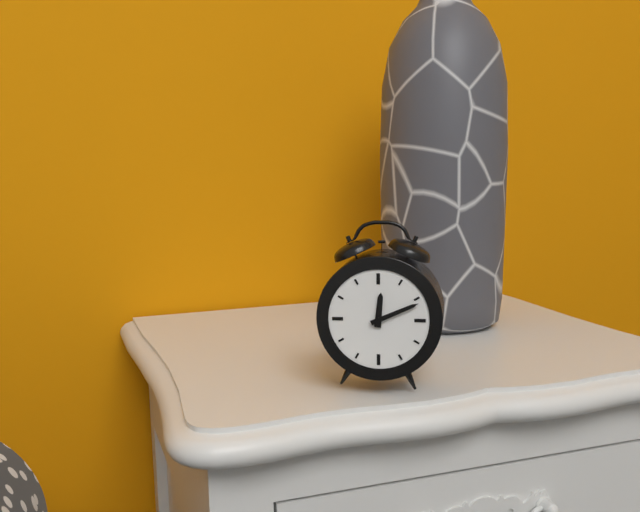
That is 12:11
